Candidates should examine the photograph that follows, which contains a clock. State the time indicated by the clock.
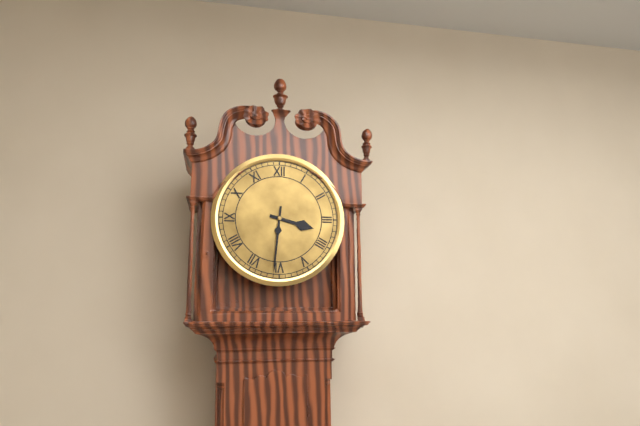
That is 3:31
